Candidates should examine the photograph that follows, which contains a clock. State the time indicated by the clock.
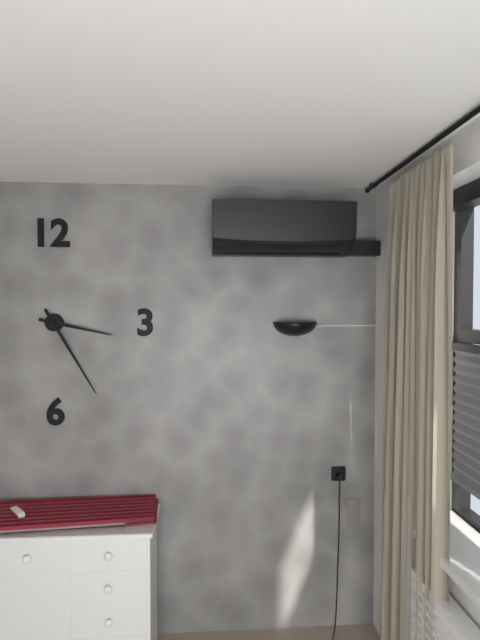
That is 3:25
